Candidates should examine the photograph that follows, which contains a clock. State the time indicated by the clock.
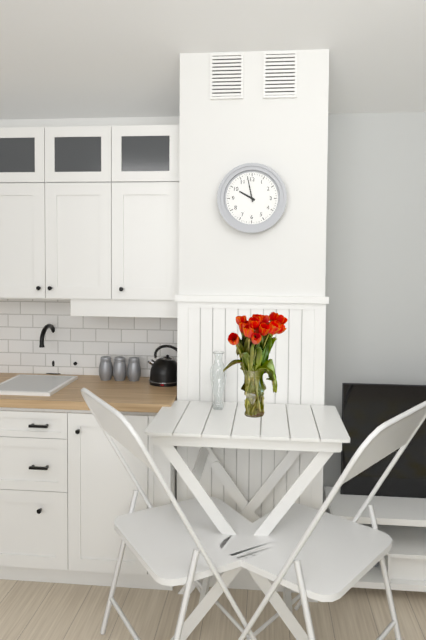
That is 9:58
